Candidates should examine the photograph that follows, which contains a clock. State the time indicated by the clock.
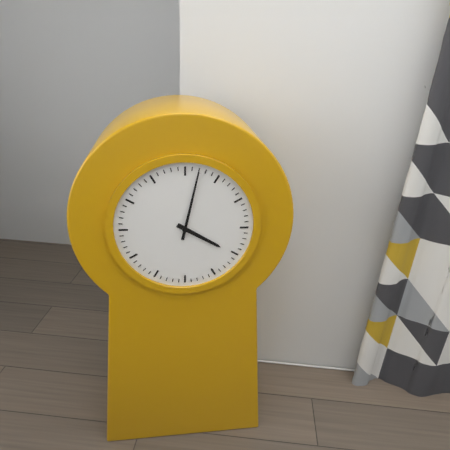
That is 4:02
